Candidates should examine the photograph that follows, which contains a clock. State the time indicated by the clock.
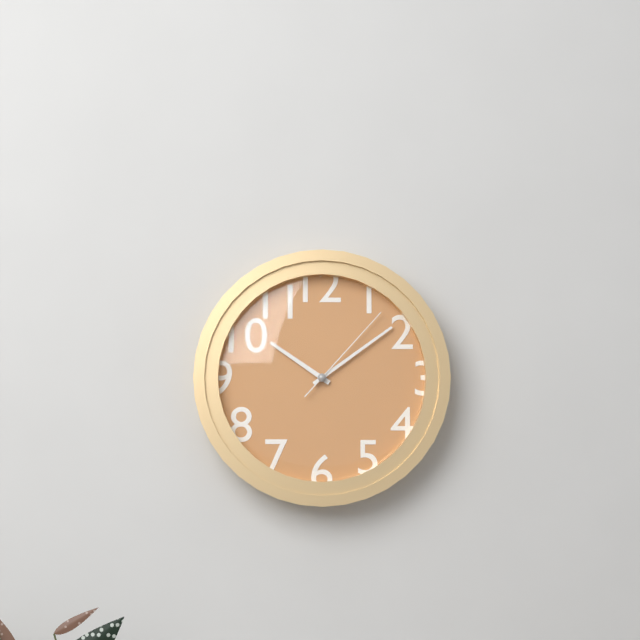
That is 10:09:07
